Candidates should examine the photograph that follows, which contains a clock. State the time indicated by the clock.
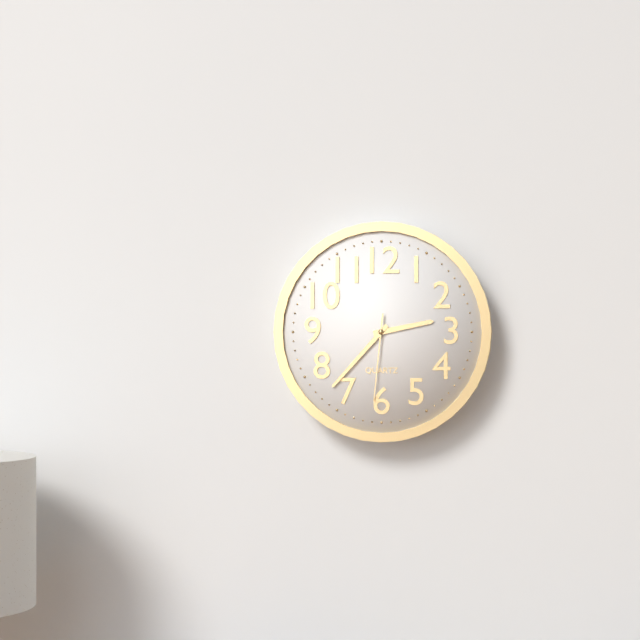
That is 2:37:31
